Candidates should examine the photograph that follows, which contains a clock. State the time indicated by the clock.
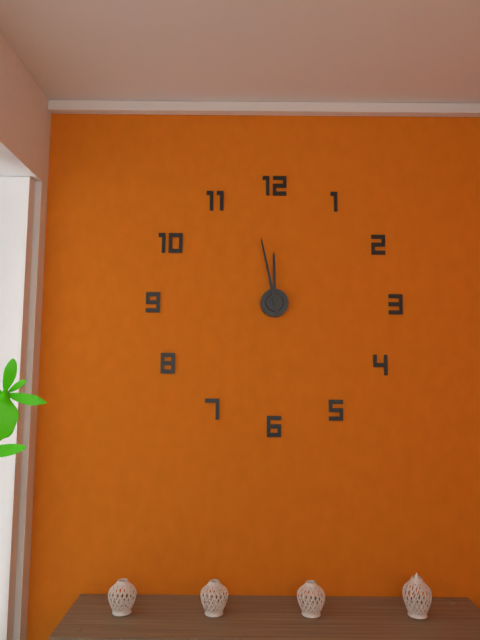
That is 11:58
